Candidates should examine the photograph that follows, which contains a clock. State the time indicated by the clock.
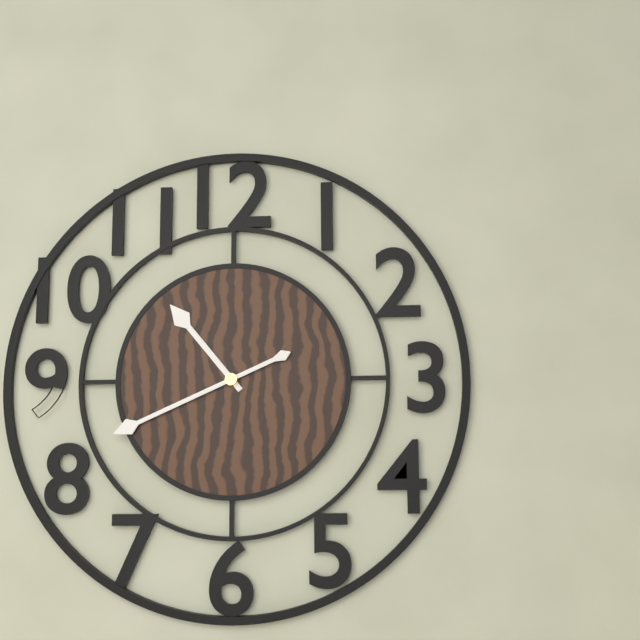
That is 10:41
